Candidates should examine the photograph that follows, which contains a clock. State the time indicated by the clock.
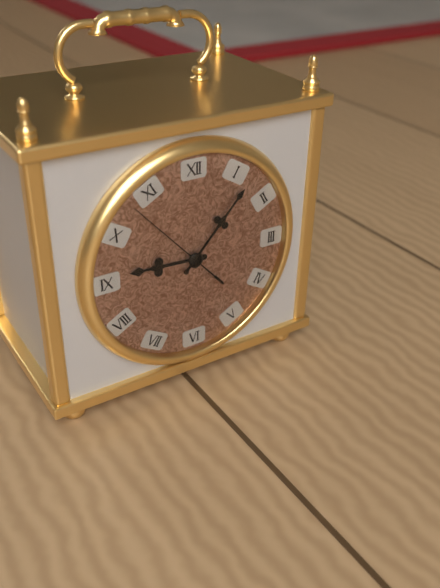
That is 9:07:53
